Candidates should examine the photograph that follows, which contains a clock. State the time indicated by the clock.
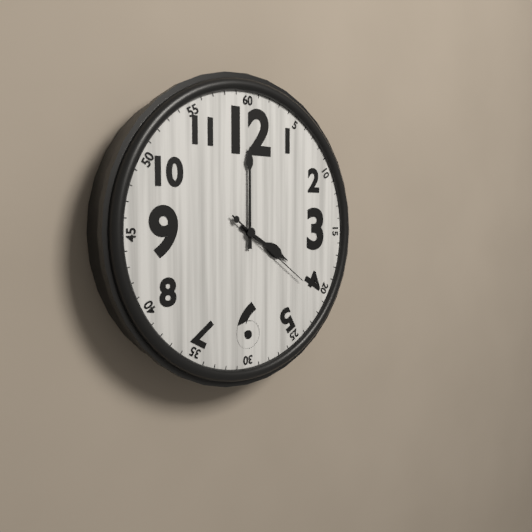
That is 4:00:21
